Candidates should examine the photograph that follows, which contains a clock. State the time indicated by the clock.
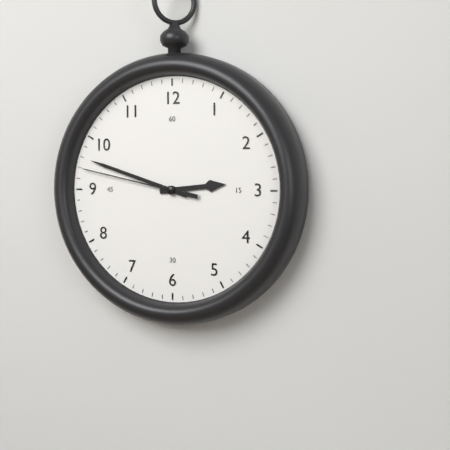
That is 2:48:47
